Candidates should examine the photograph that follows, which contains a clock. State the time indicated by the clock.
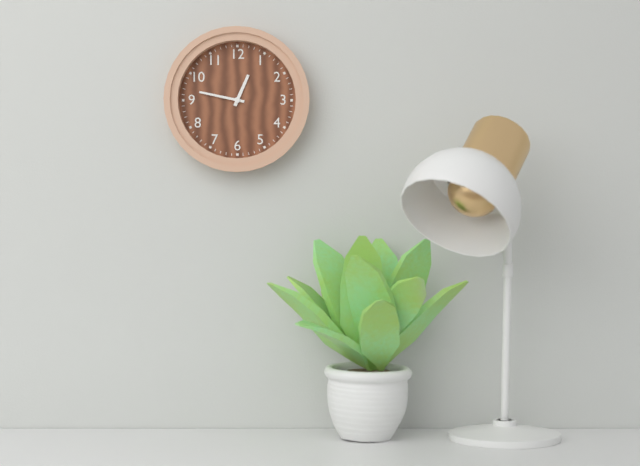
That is 12:47
